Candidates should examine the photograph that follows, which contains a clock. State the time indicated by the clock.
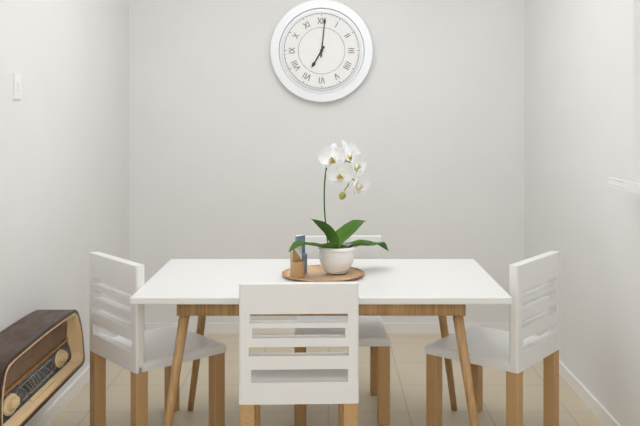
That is 7:01
